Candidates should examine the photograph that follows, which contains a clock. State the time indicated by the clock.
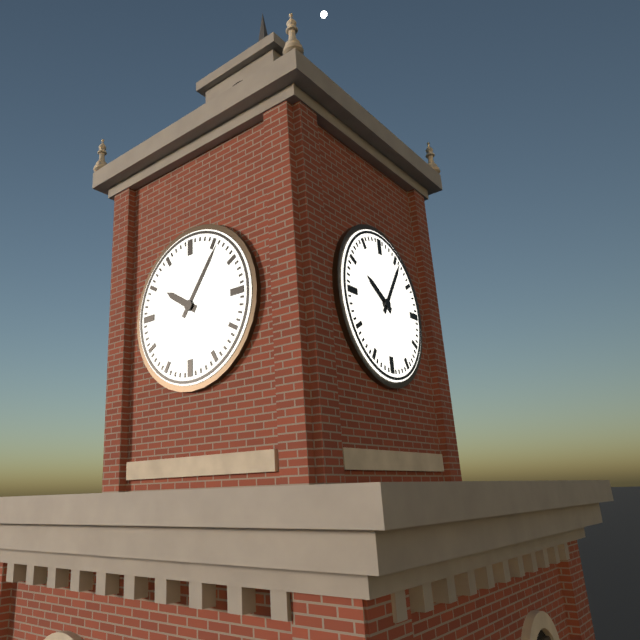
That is 10:06
